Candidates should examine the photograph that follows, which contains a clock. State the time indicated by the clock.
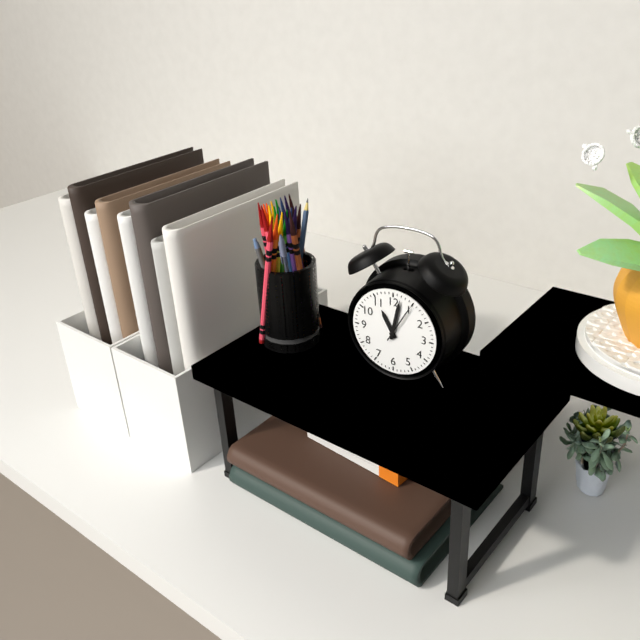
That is 11:02
